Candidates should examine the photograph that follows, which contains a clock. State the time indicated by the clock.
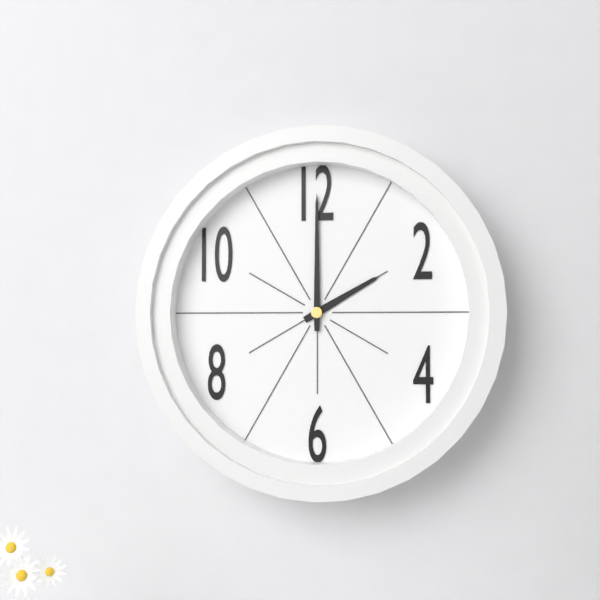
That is 2:00
